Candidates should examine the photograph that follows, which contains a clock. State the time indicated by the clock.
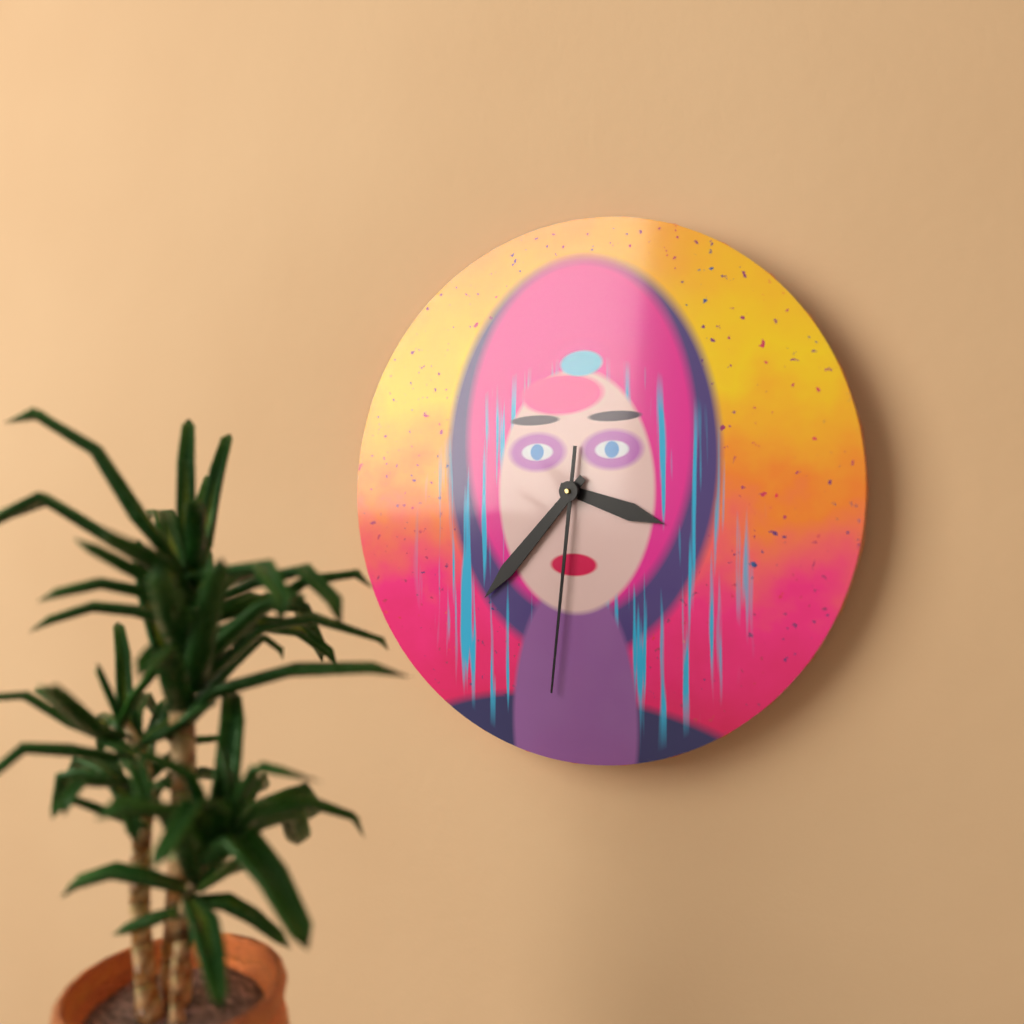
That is 3:37:31
